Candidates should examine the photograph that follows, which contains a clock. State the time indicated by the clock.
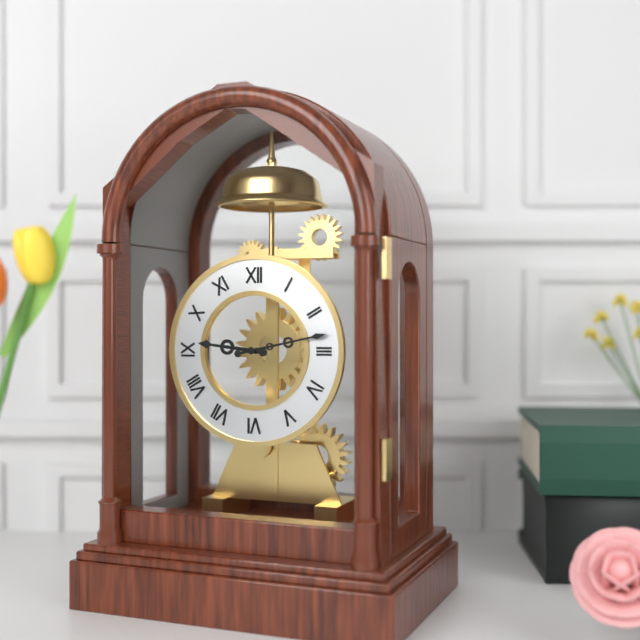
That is 9:13
